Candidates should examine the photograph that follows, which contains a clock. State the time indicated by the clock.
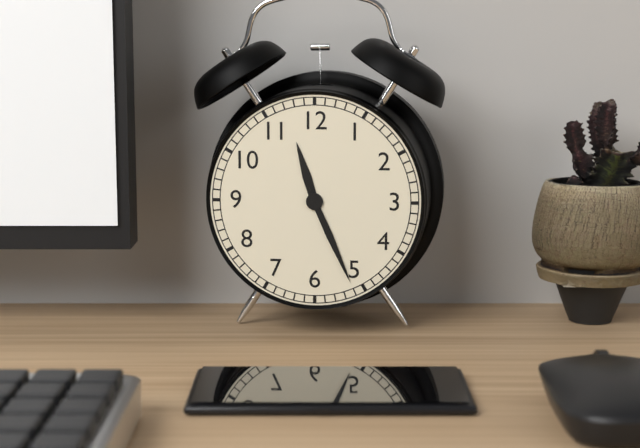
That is 11:26
